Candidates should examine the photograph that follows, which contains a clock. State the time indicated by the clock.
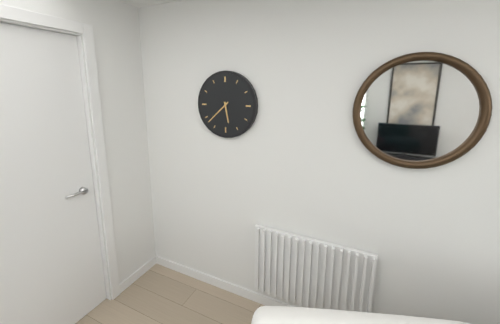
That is 5:38
